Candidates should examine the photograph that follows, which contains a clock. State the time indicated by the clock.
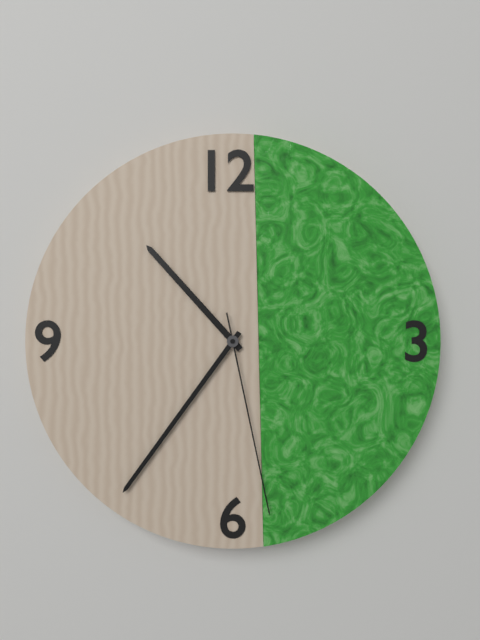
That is 10:36:28
